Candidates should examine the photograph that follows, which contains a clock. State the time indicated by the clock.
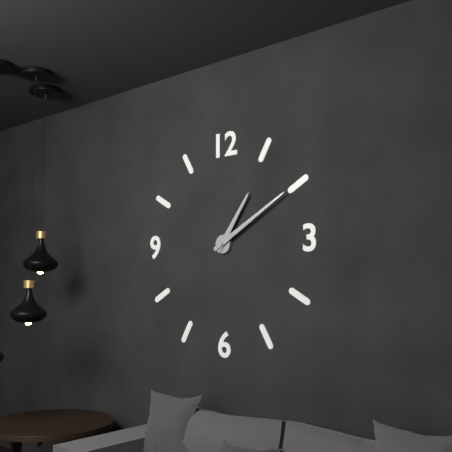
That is 1:10
